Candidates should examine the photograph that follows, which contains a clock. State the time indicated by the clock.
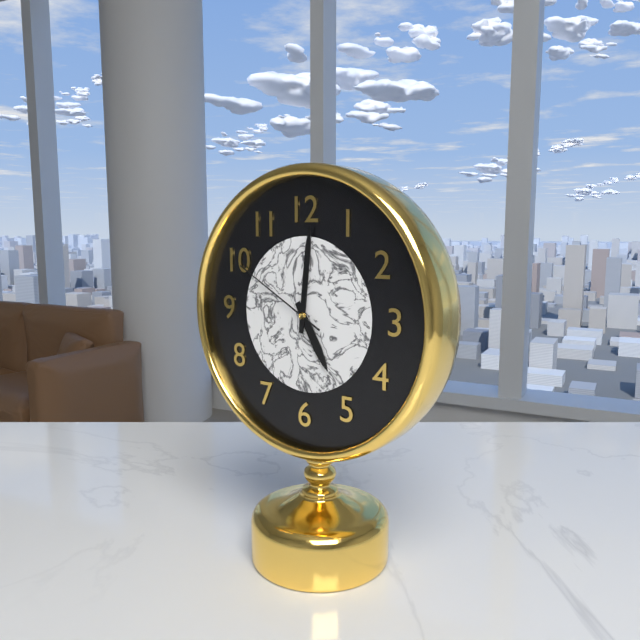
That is 5:01:50
